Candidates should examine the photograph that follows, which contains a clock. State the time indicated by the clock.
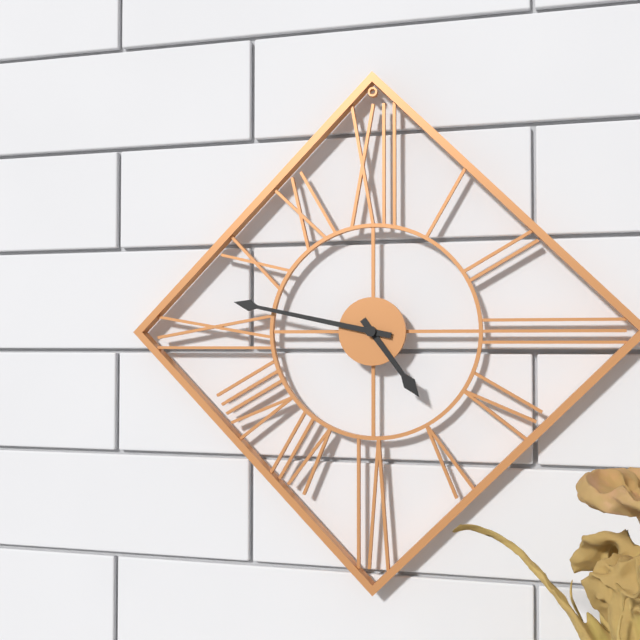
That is 4:47
